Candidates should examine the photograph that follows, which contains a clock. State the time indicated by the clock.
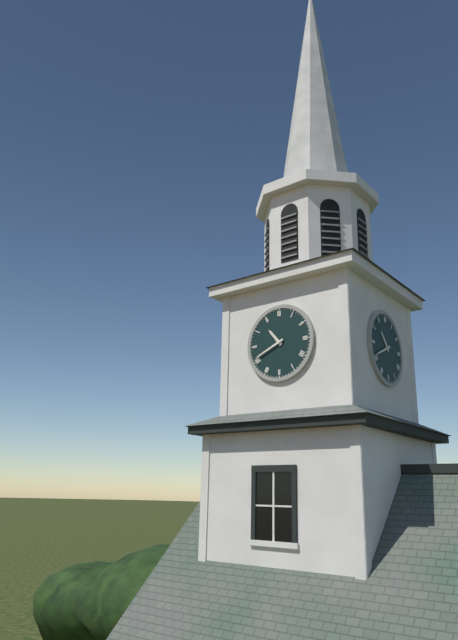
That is 10:41
